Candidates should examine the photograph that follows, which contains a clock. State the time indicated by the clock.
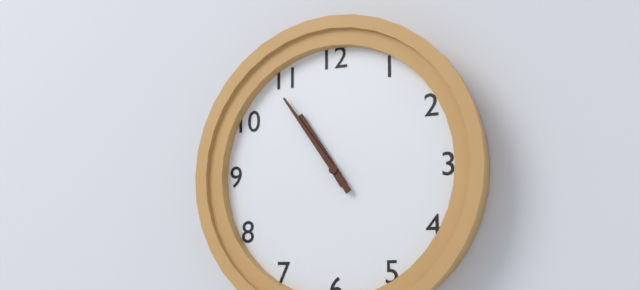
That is 10:54
